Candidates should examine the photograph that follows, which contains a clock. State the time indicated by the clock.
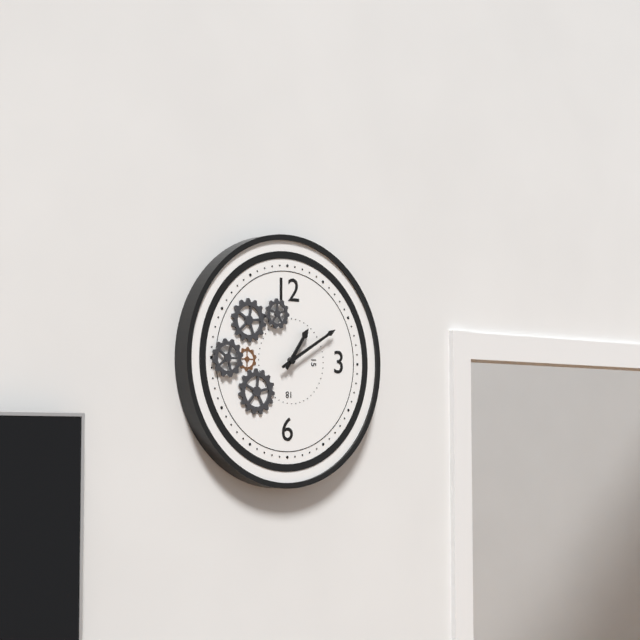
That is 1:10
